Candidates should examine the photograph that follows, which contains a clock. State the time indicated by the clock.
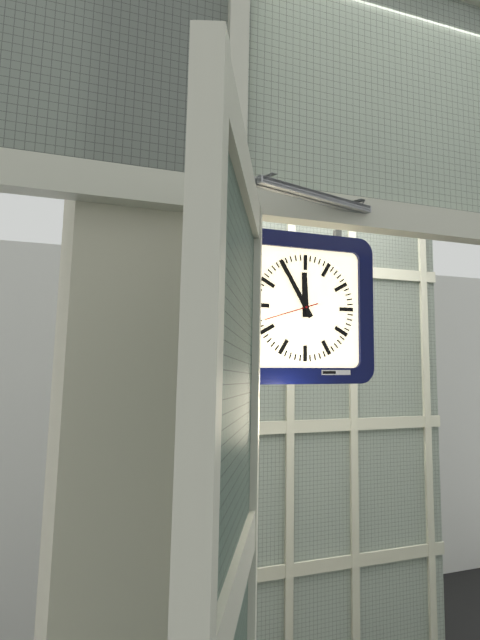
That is 11:55:42
